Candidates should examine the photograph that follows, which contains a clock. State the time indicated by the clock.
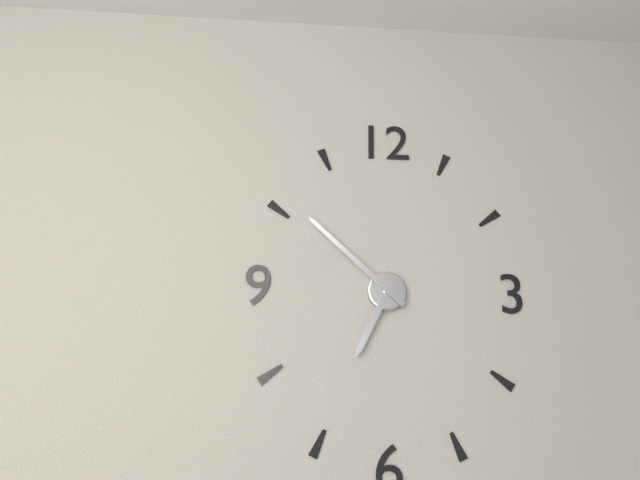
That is 6:52
